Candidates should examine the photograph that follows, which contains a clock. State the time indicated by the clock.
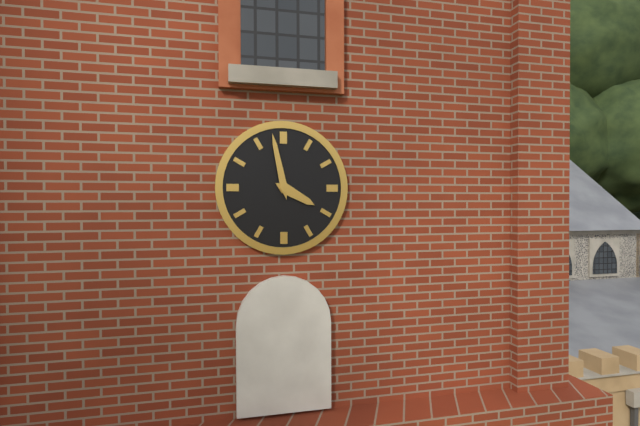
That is 3:58
